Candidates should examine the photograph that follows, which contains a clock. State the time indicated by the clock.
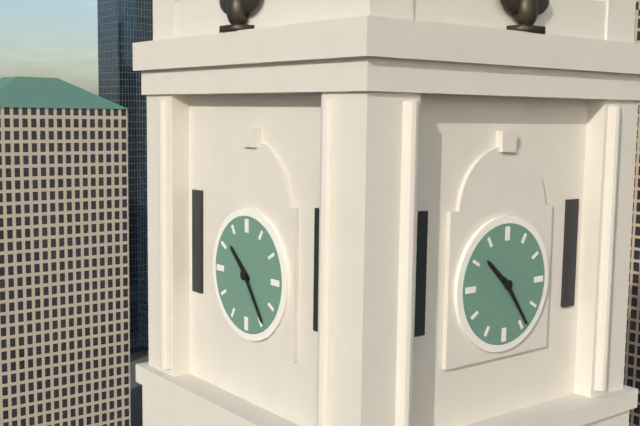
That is 10:24
